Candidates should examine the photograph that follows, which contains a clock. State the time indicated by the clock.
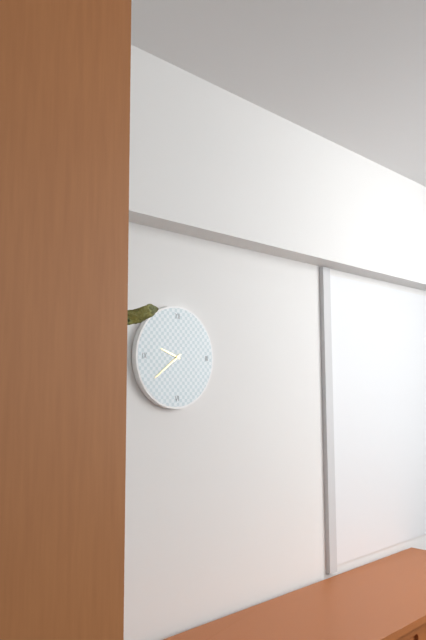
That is 9:39
